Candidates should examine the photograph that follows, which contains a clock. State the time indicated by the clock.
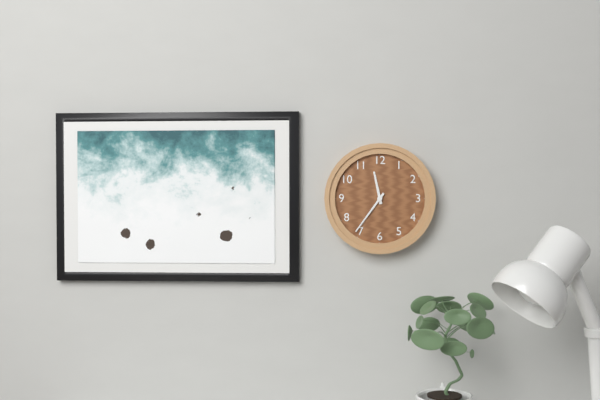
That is 11:36
